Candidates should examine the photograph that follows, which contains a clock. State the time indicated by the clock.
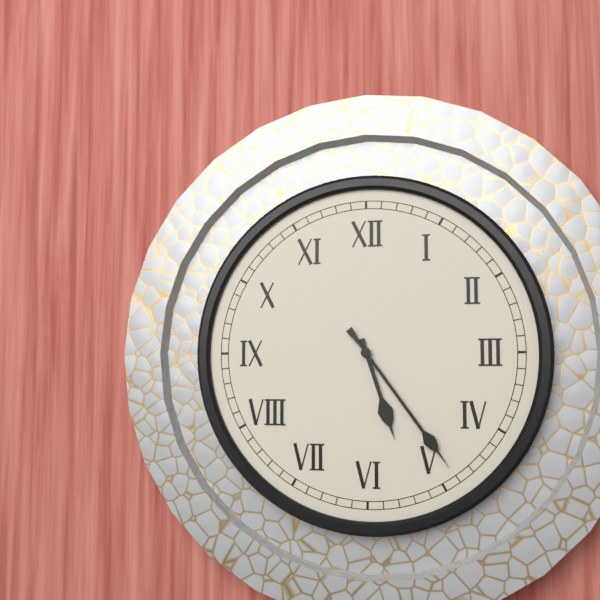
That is 5:24
